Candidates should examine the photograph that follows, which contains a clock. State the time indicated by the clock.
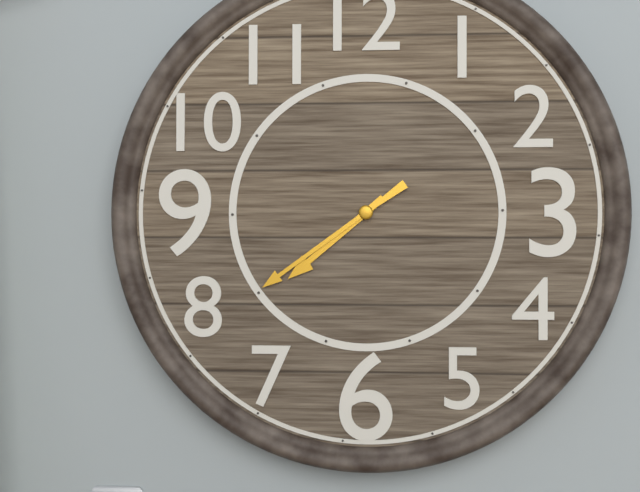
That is 7:39
